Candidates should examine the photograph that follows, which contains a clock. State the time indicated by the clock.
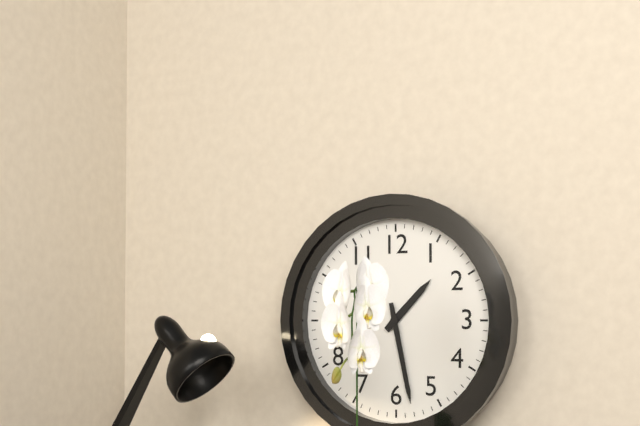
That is 1:28
